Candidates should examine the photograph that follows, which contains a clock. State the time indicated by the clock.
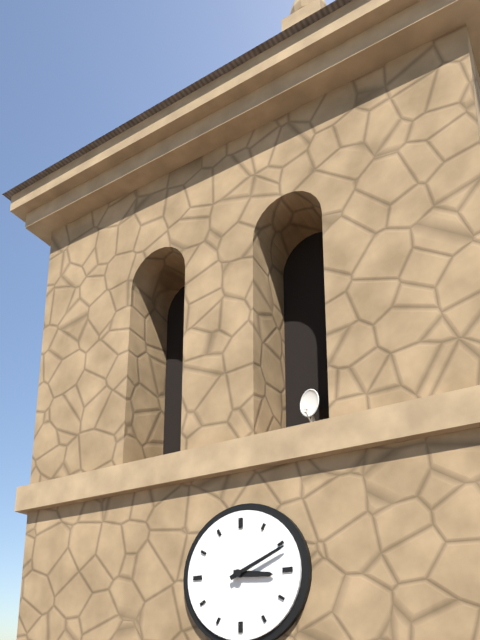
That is 3:11
